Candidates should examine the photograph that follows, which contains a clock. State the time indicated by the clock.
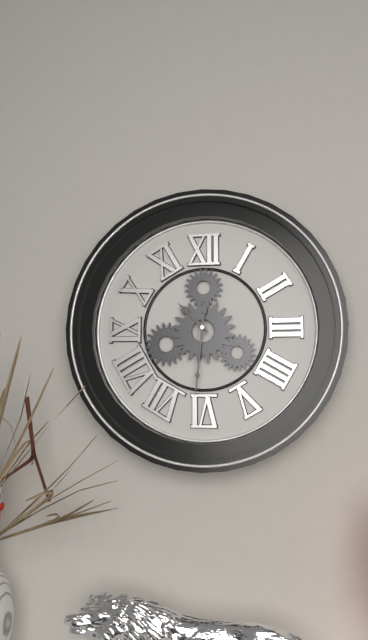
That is 10:31
